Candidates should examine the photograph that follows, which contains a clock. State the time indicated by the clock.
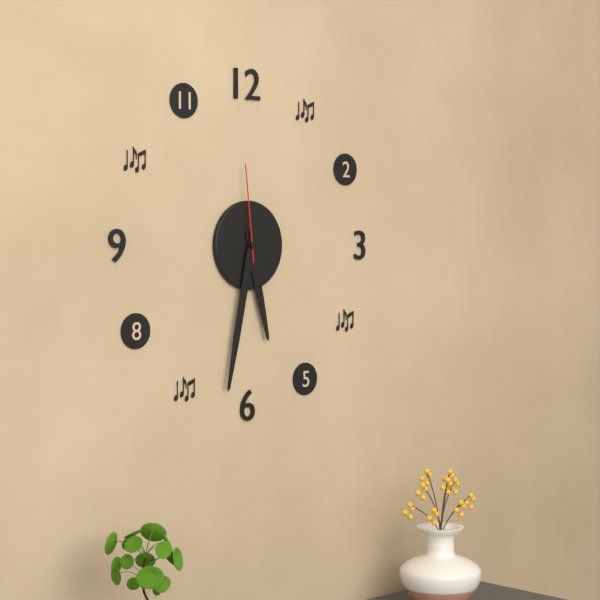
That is 5:32:59
